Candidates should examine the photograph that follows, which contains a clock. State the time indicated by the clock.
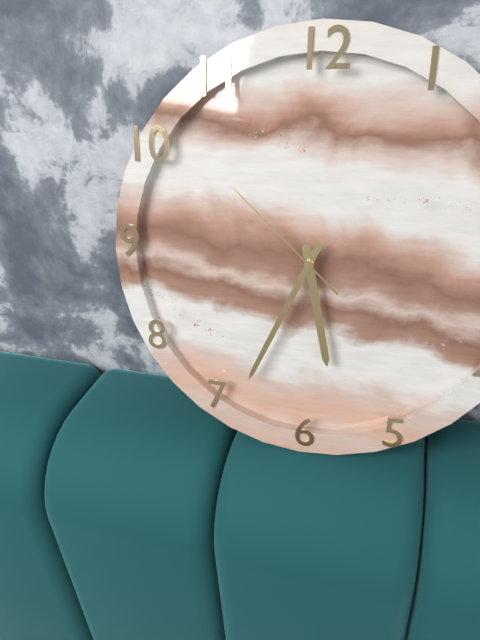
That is 5:34:52
